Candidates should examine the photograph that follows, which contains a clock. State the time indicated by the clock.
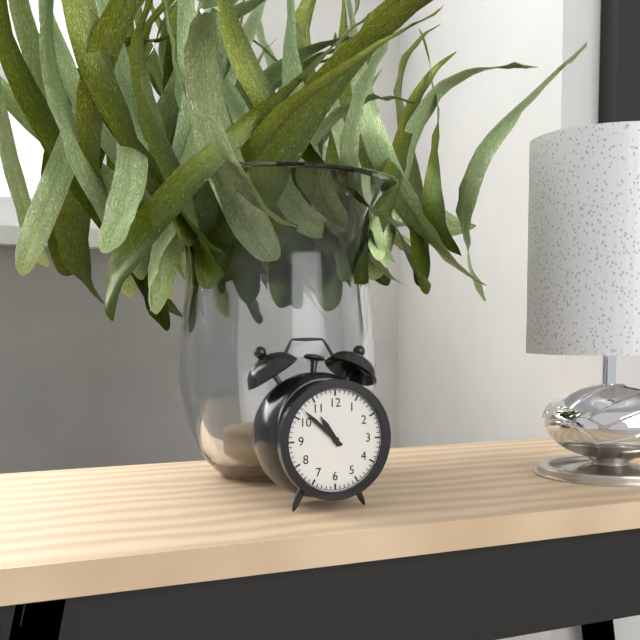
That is 10:52
